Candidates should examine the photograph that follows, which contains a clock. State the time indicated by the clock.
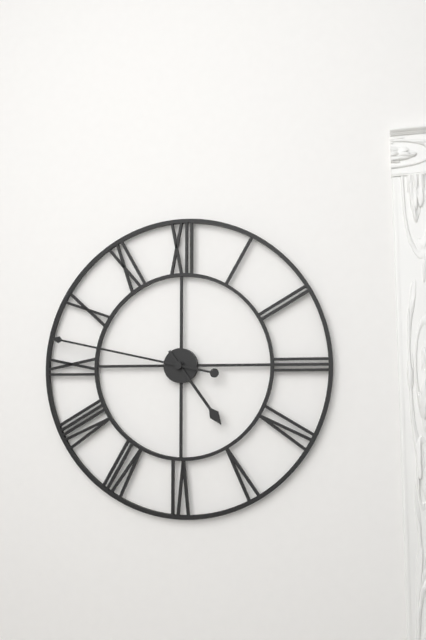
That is 4:47
